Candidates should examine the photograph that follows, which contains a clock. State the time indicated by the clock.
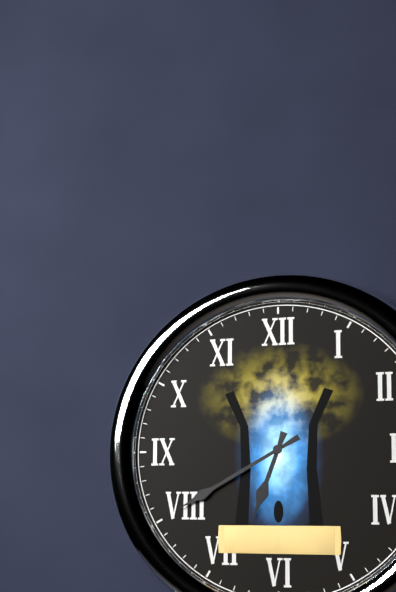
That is 6:40
